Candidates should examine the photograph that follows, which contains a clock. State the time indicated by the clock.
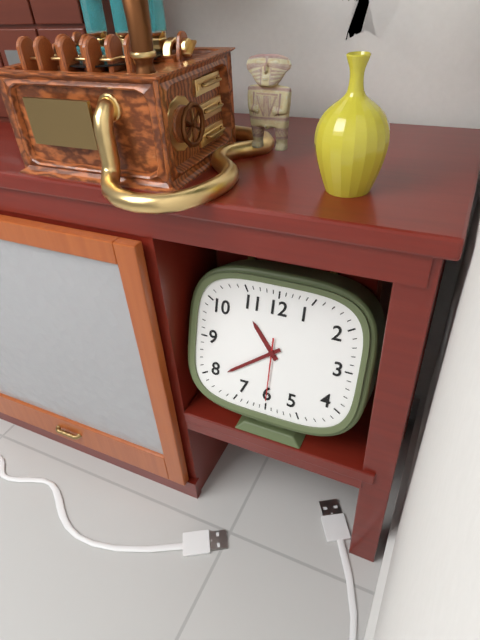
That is 10:39:30
